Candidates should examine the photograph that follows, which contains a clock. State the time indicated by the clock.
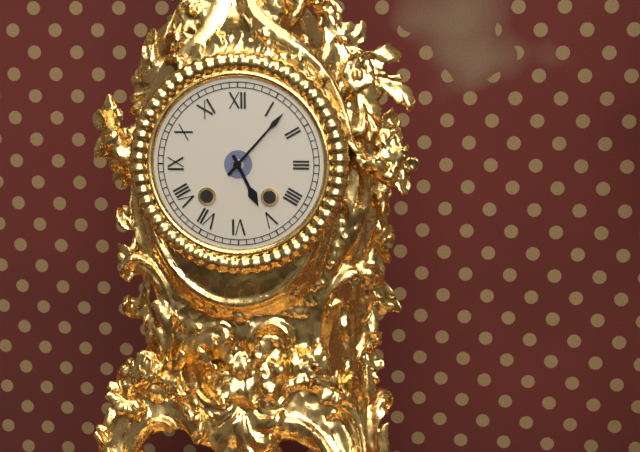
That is 5:07
